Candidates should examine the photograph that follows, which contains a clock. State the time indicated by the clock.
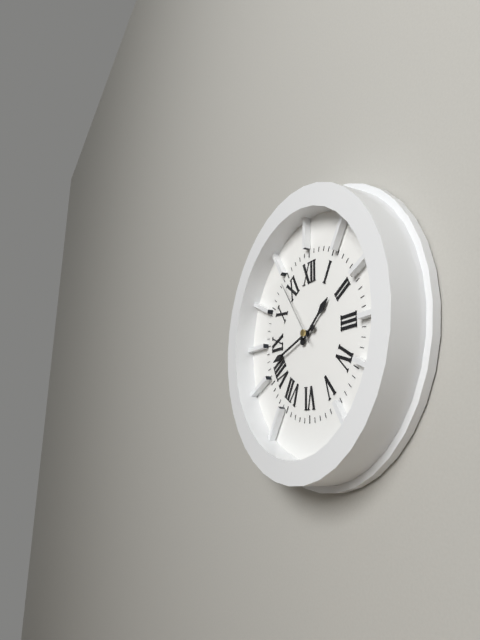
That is 1:42:54
